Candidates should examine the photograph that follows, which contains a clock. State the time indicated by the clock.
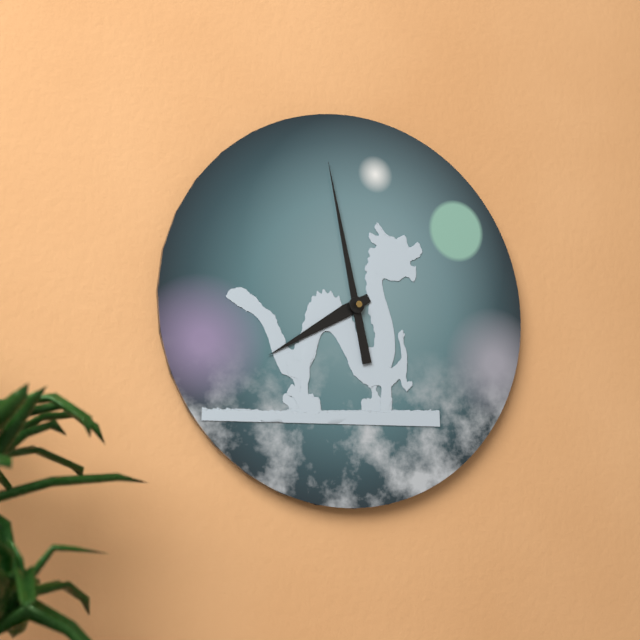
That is 7:58
